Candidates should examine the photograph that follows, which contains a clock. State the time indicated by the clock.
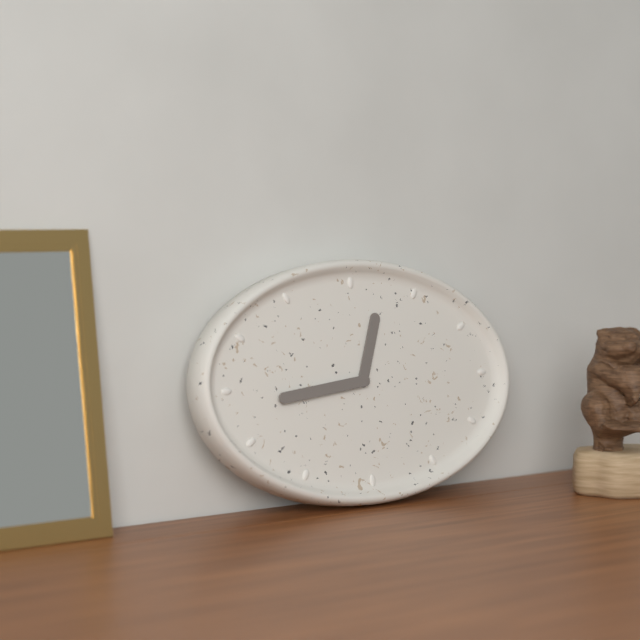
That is 12:44
